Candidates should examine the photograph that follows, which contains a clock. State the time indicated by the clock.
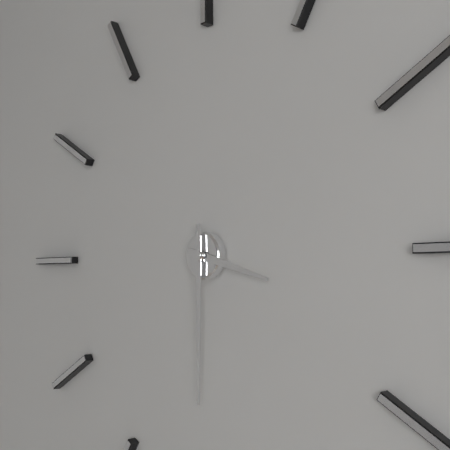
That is 3:30
